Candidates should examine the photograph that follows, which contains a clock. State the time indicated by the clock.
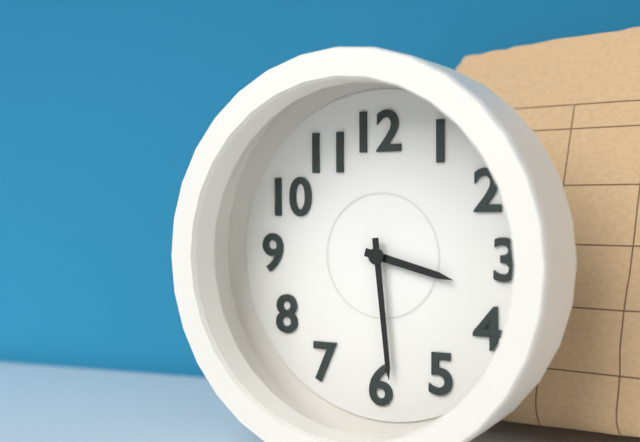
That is 3:29
